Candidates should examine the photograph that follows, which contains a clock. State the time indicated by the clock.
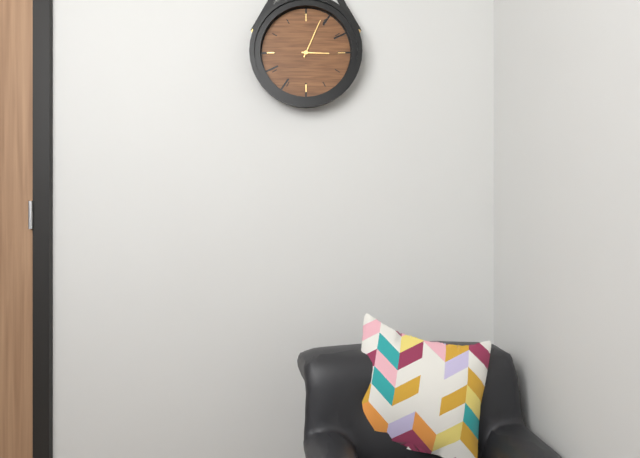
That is 3:04
